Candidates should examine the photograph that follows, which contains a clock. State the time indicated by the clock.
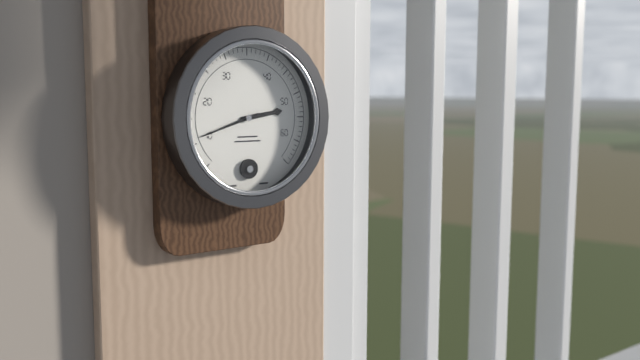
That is 2:42
